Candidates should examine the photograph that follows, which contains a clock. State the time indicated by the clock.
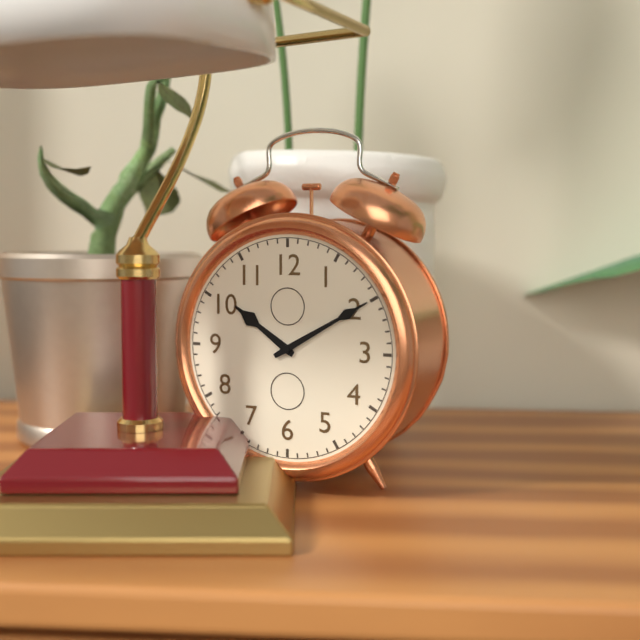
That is 10:10
